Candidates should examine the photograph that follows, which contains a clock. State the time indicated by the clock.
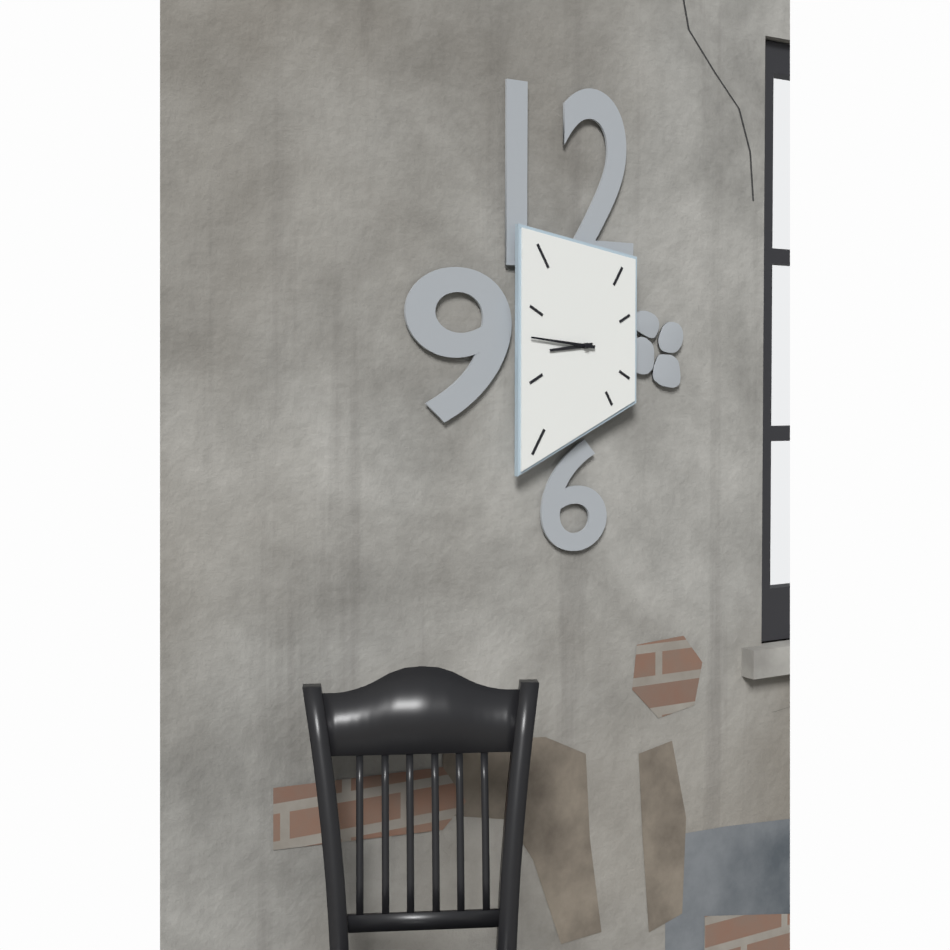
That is 8:46
